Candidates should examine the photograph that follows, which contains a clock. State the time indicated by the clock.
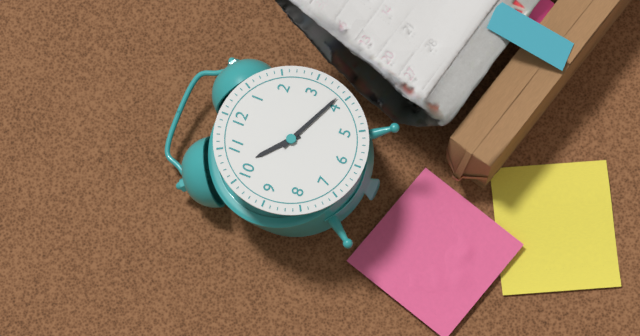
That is 10:19
